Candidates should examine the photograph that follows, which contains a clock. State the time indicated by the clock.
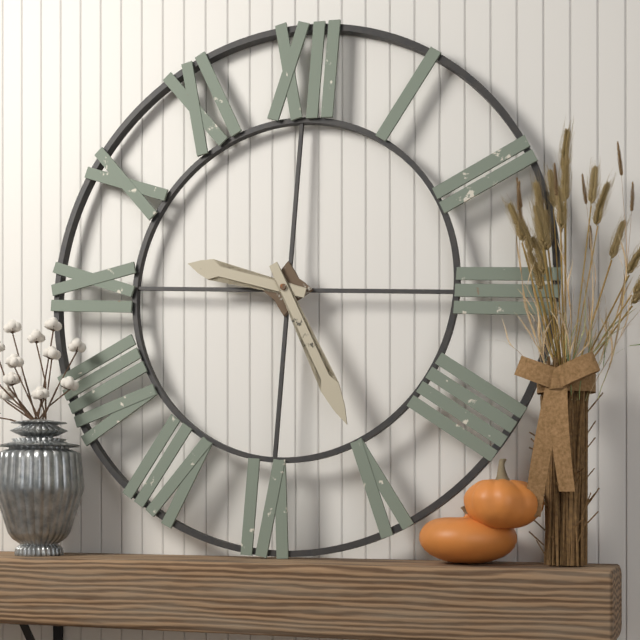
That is 9:25
